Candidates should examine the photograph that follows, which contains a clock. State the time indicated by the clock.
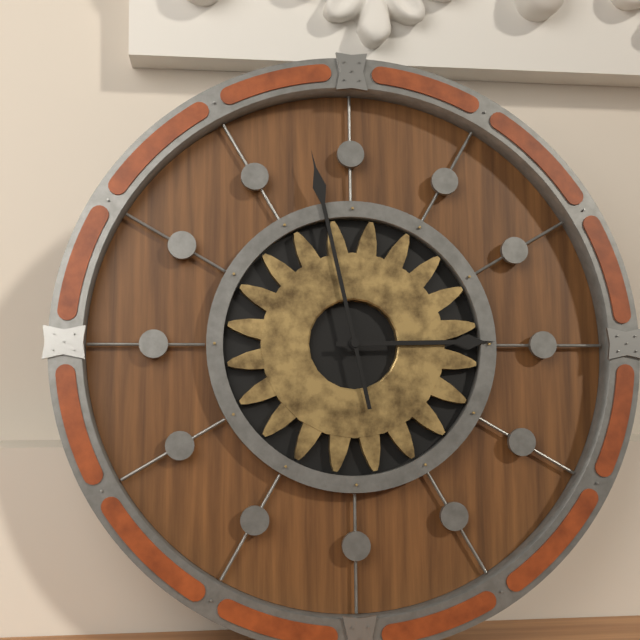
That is 2:58
